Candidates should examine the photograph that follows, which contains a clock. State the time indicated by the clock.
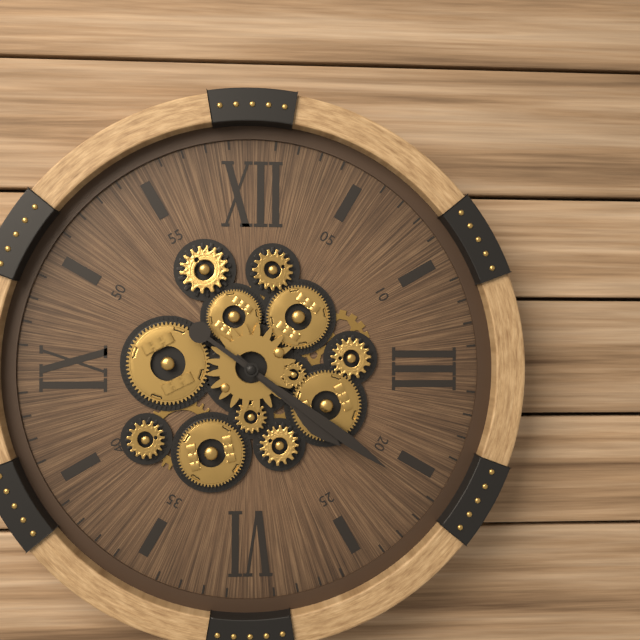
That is 4:21
